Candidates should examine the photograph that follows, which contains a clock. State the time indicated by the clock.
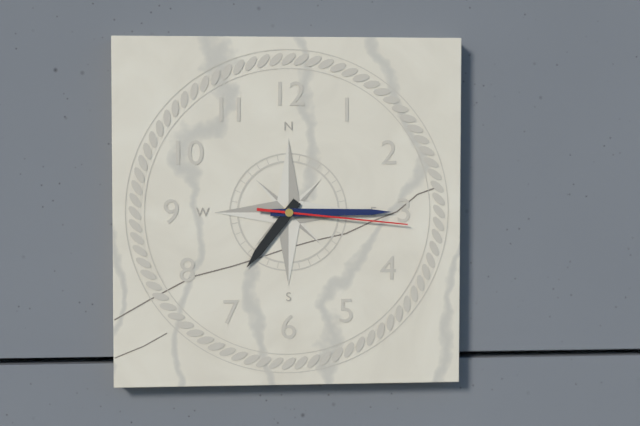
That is 7:15:16
